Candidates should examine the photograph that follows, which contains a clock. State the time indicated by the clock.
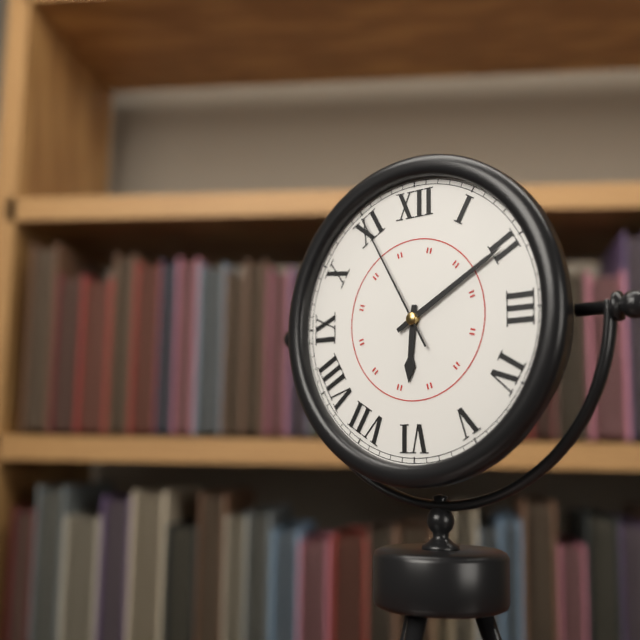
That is 6:10:55
